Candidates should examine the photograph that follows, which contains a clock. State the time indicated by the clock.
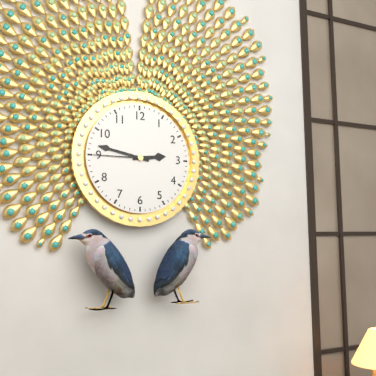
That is 2:47:45
